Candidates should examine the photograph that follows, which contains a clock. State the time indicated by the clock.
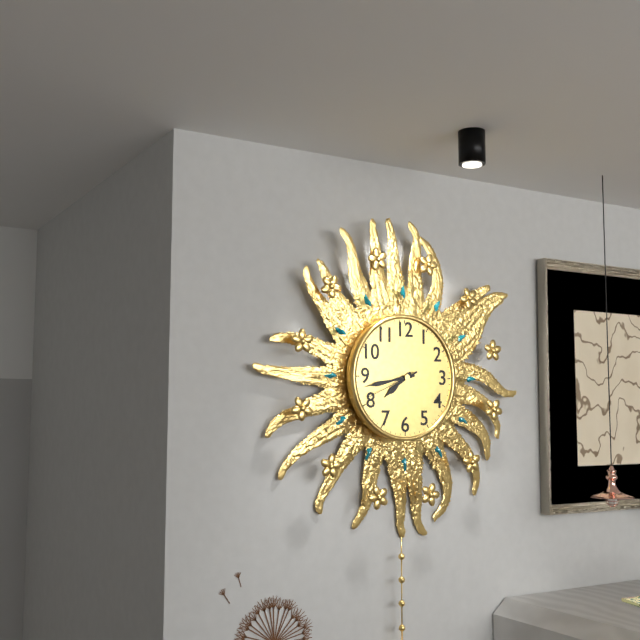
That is 7:43
